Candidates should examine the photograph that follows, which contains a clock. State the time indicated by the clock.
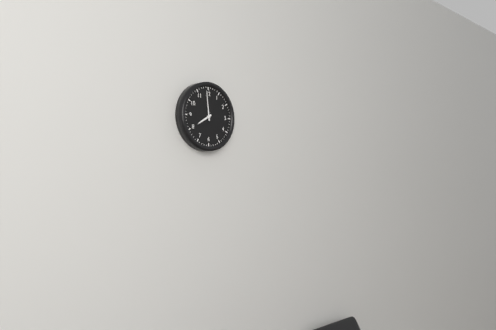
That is 7:59
